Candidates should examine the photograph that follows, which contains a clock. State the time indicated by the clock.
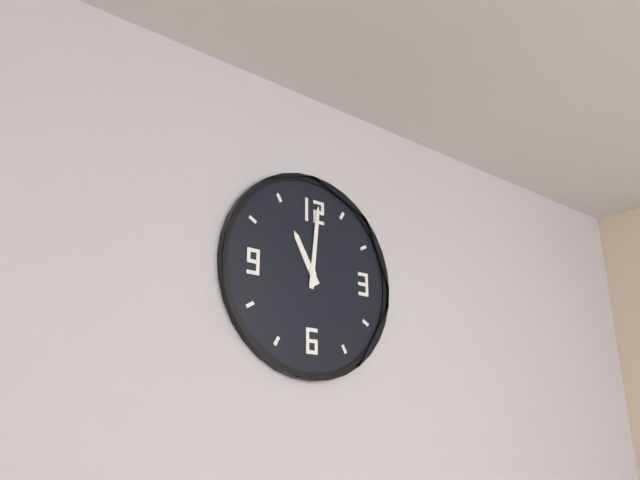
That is 11:01
